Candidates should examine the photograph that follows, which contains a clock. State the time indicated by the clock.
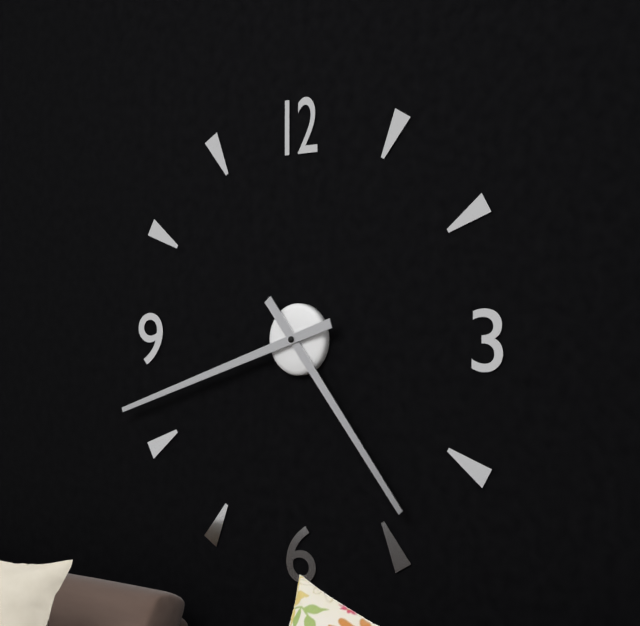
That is 4:42
